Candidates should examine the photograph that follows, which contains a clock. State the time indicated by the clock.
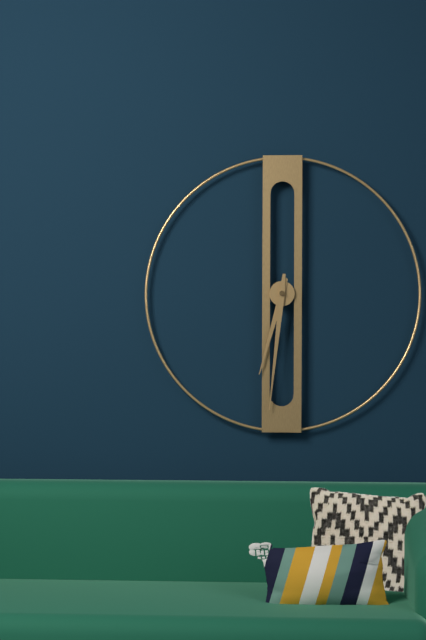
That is 6:31
